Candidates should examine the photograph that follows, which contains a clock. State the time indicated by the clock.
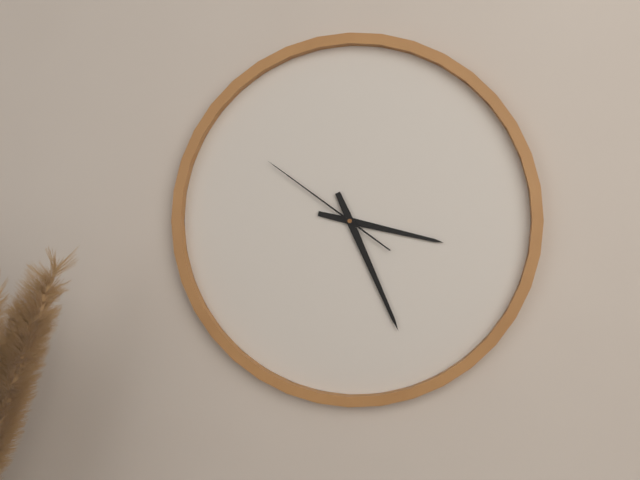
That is 3:26:51
